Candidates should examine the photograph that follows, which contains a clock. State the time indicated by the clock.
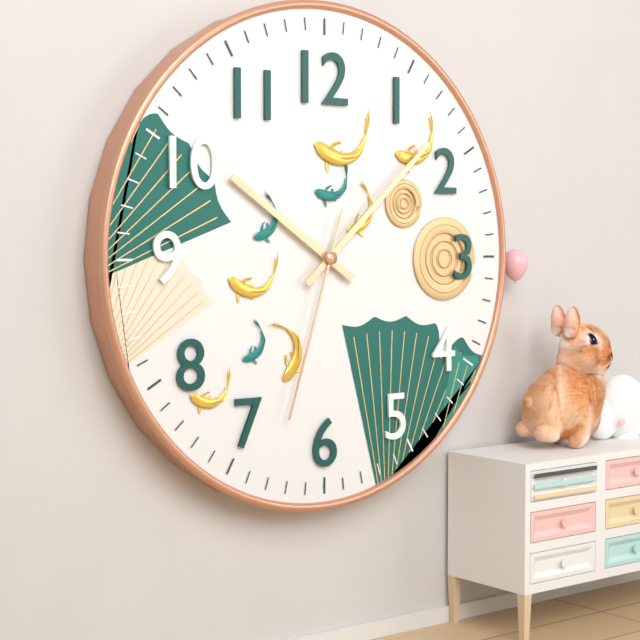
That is 10:08:33
